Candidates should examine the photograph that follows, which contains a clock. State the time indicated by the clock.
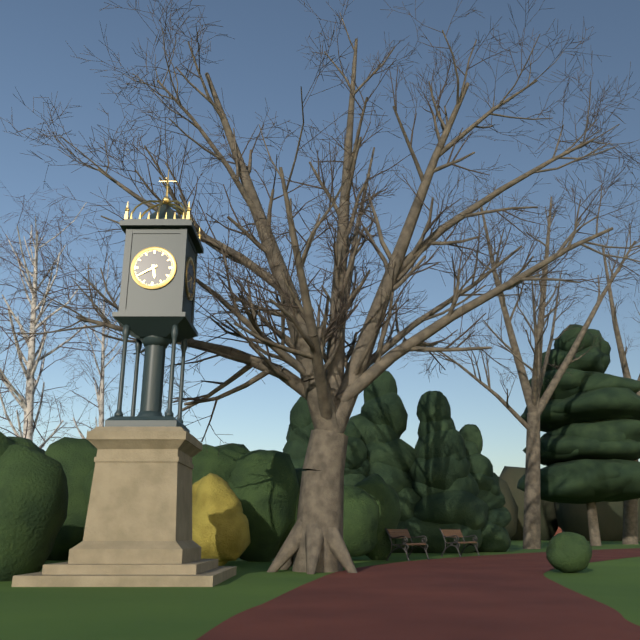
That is 5:40
